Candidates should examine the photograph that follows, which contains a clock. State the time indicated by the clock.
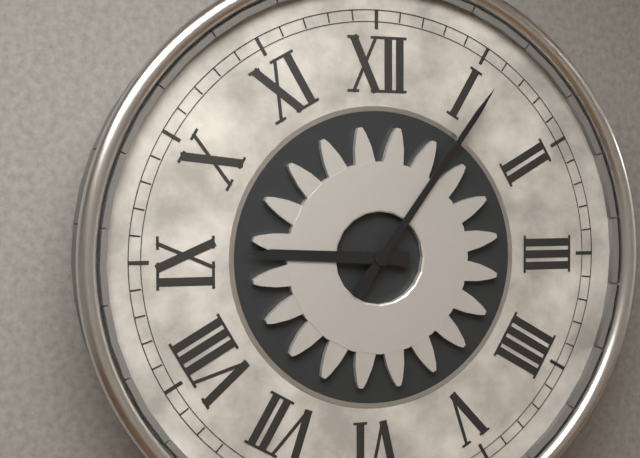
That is 9:06
